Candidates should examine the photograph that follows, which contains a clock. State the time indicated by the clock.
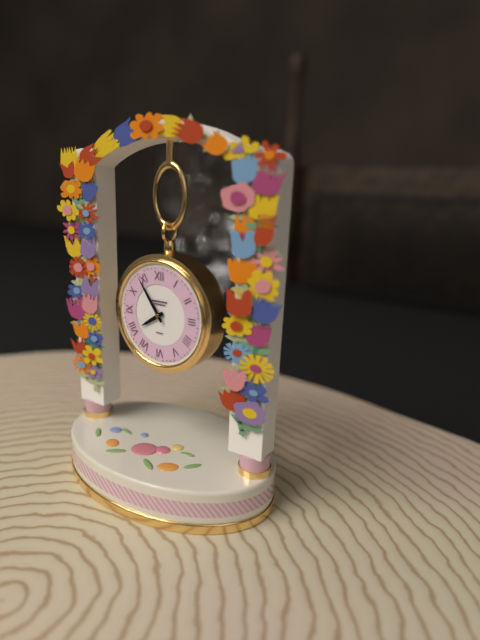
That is 7:54
